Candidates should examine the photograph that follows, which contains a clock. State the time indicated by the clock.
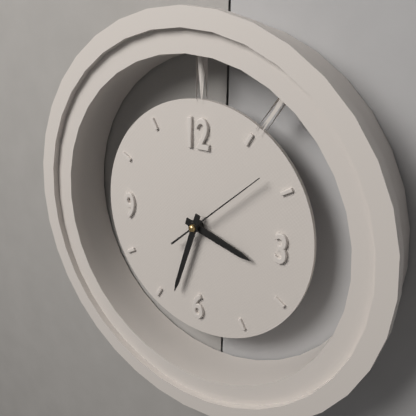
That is 3:33:08
